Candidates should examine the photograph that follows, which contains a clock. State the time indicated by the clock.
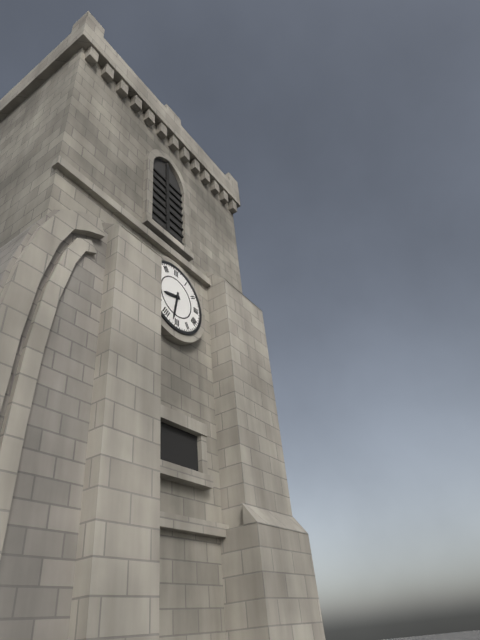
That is 8:32
